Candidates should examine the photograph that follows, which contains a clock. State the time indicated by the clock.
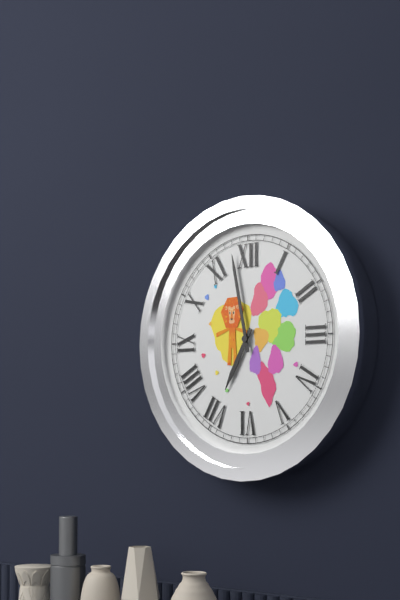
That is 6:58
